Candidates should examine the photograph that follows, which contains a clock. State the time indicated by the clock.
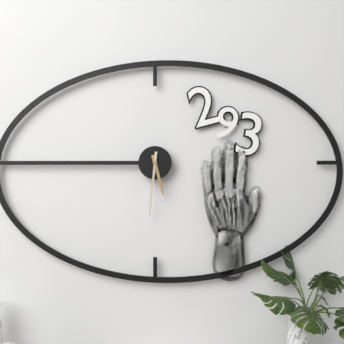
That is 5:31
